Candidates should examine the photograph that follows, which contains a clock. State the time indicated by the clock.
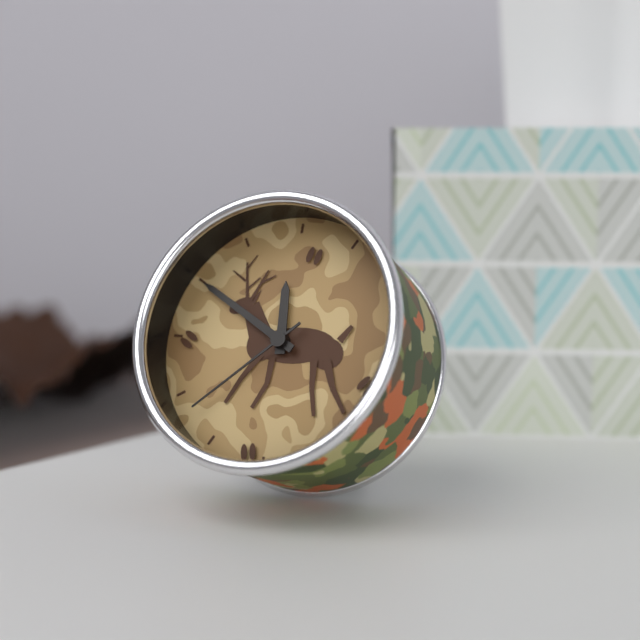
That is 11:50:38
